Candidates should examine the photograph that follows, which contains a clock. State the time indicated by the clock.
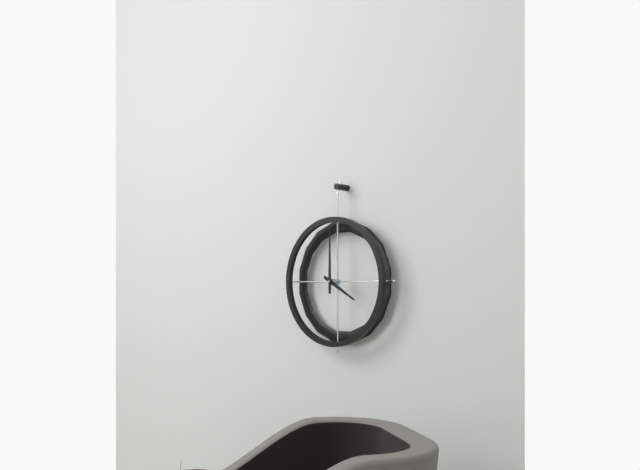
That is 4:00
